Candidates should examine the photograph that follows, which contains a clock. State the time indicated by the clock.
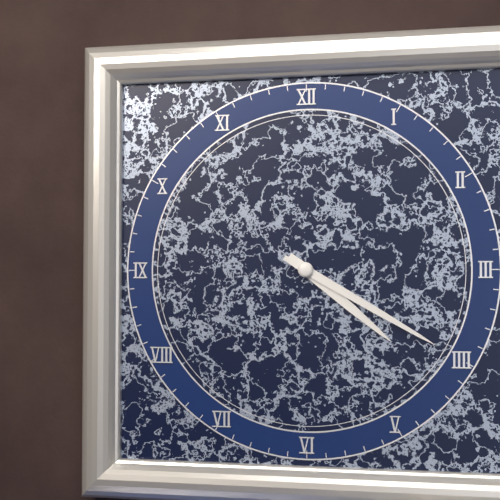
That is 4:20
